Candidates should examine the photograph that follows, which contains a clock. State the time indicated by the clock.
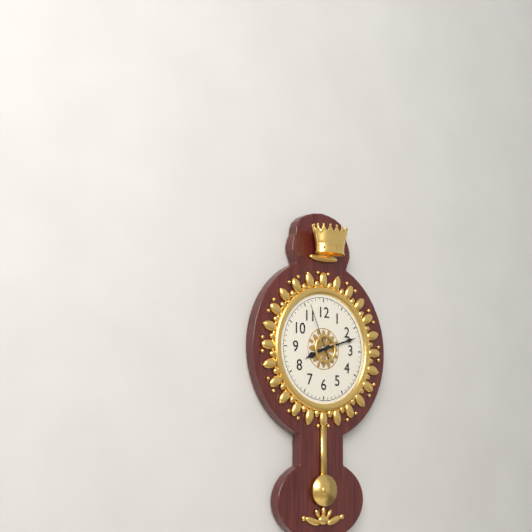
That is 8:12:56
